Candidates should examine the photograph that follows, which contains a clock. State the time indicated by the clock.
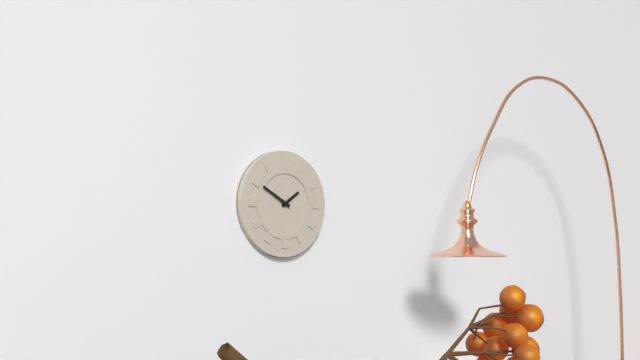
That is 1:50
